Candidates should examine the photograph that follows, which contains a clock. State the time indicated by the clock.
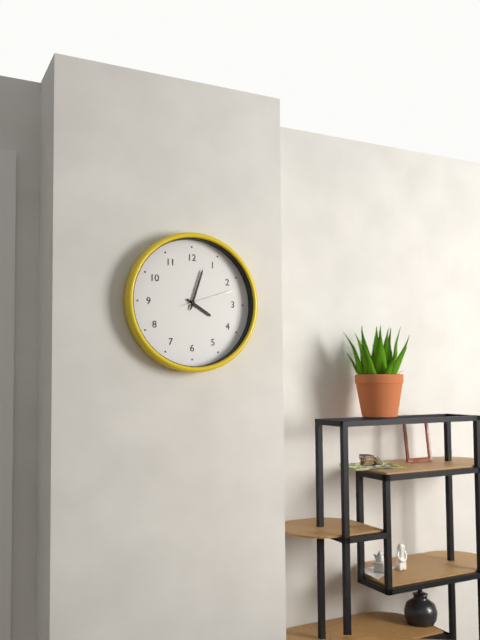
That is 4:03:12
